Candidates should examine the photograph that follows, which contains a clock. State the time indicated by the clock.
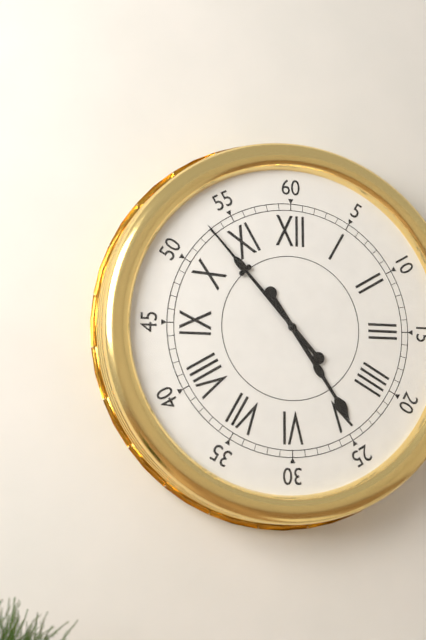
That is 4:53
